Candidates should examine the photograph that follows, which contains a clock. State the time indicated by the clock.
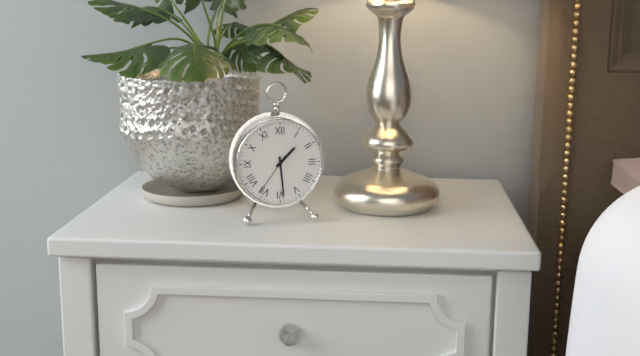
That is 1:29
